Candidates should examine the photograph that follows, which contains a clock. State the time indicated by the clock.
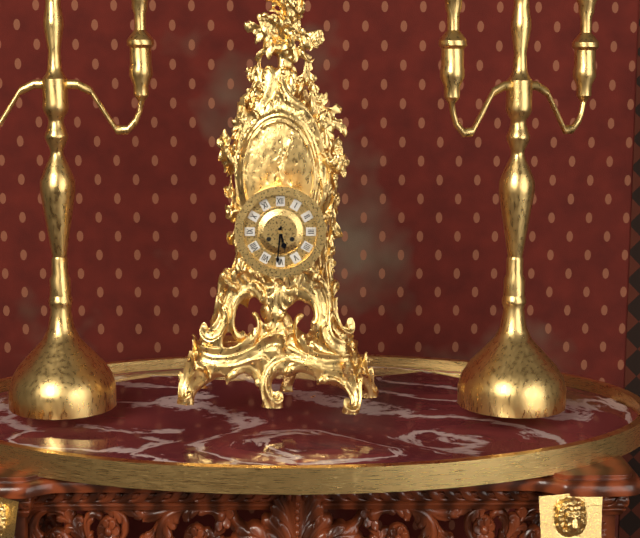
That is 5:31
